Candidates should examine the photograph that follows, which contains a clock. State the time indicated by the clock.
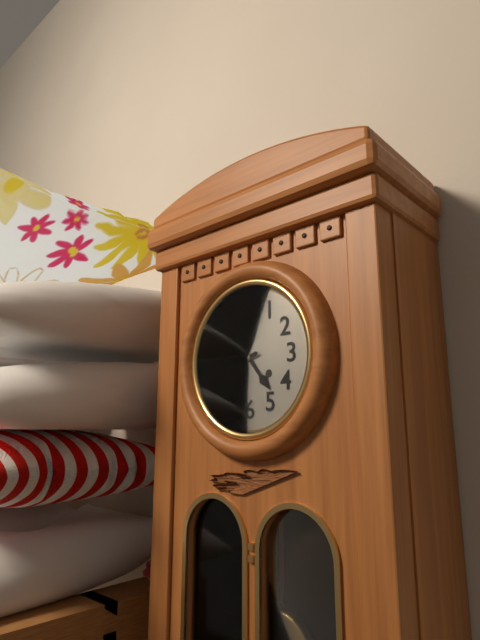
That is 4:42
